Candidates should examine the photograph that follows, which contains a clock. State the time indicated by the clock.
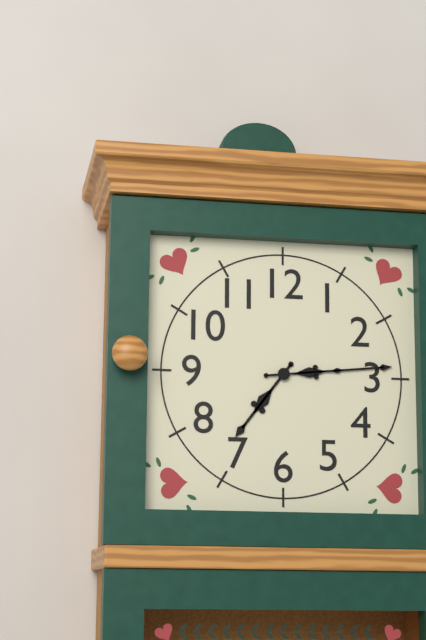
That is 7:14
